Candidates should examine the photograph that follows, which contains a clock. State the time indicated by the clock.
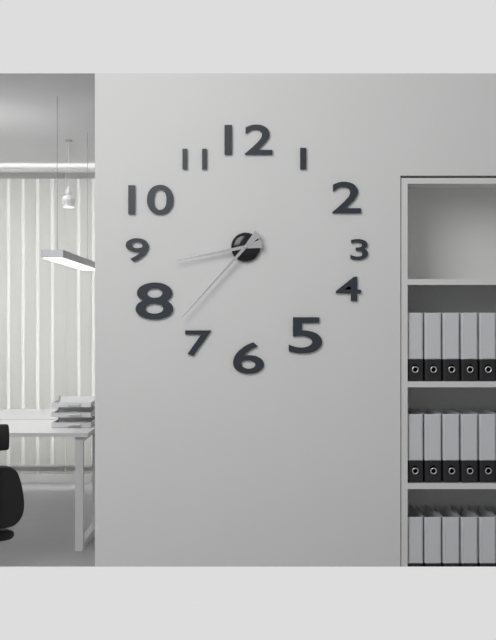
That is 8:37
